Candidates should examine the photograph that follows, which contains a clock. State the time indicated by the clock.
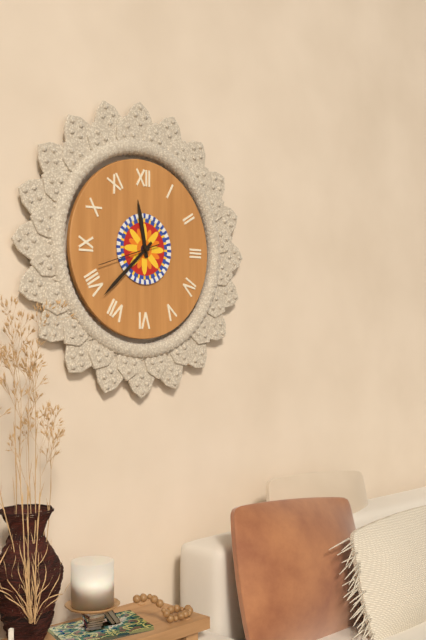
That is 11:38:42
